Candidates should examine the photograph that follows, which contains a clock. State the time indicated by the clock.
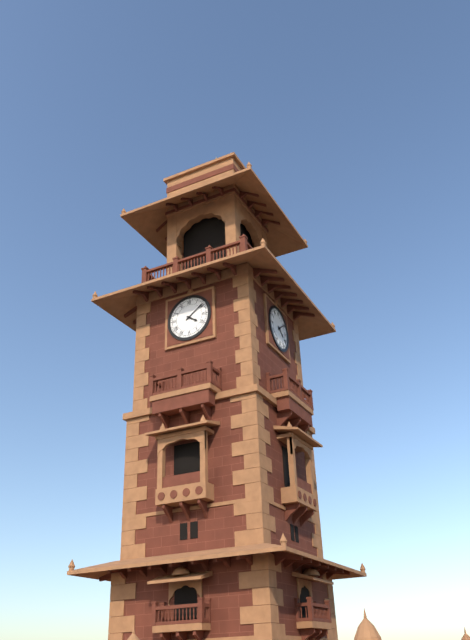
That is 4:09
